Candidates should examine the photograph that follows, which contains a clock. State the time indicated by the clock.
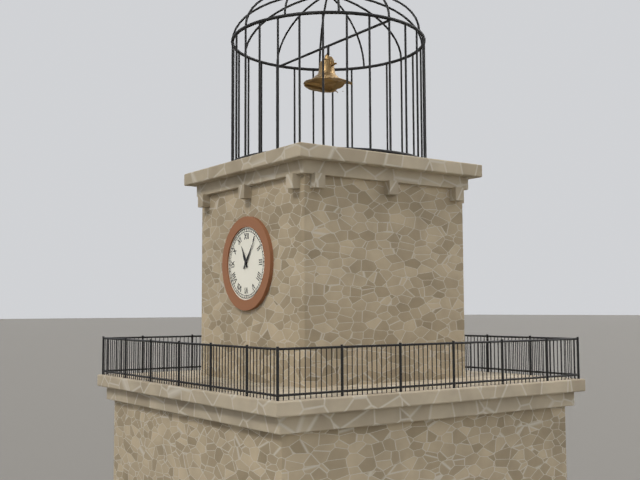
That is 11:06
